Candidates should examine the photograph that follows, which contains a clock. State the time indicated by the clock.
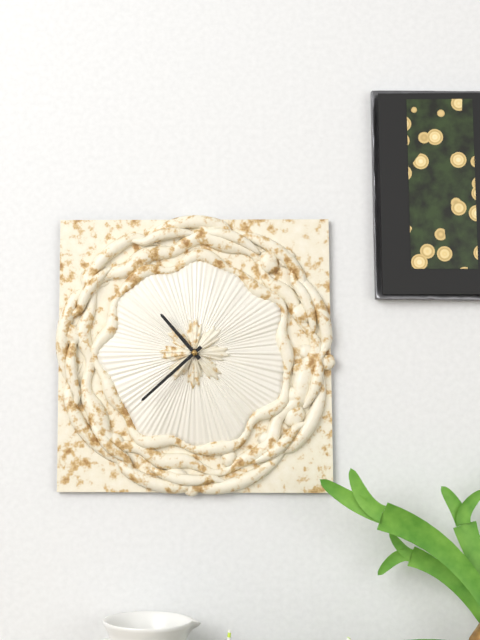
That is 10:38
